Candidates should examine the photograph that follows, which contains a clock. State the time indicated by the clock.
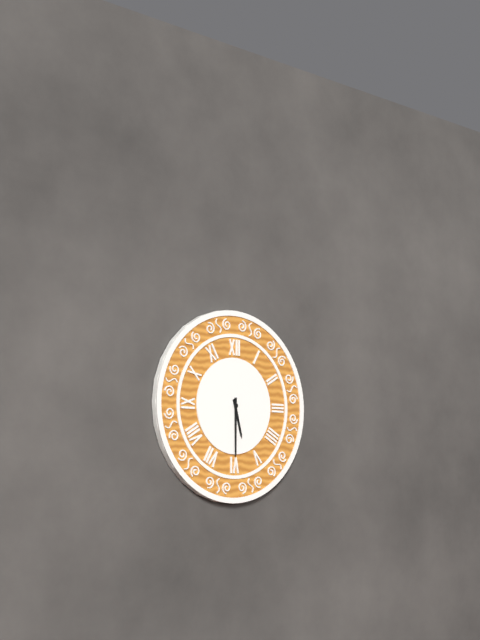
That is 5:30
